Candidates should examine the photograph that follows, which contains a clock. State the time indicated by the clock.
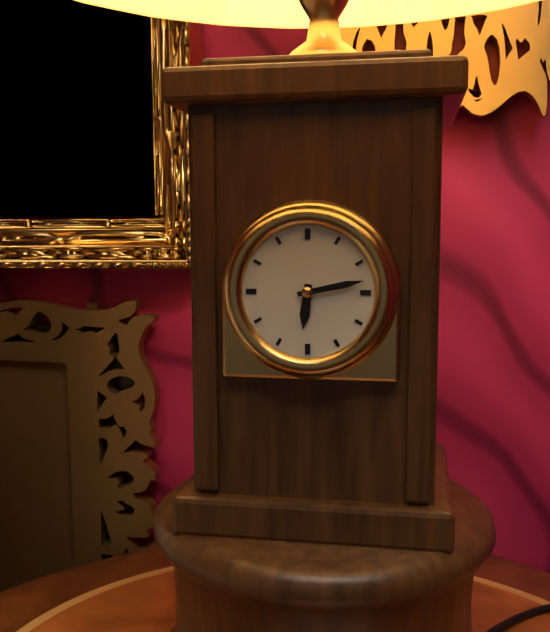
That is 6:13
